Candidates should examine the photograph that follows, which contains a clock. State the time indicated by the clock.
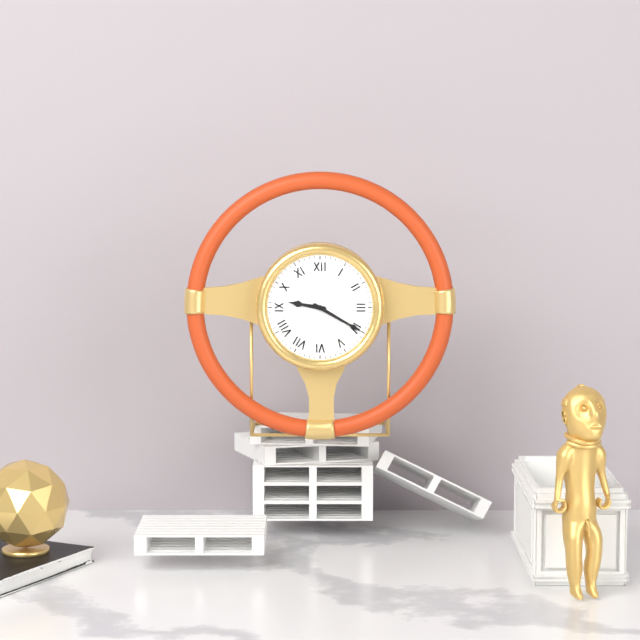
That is 9:20
